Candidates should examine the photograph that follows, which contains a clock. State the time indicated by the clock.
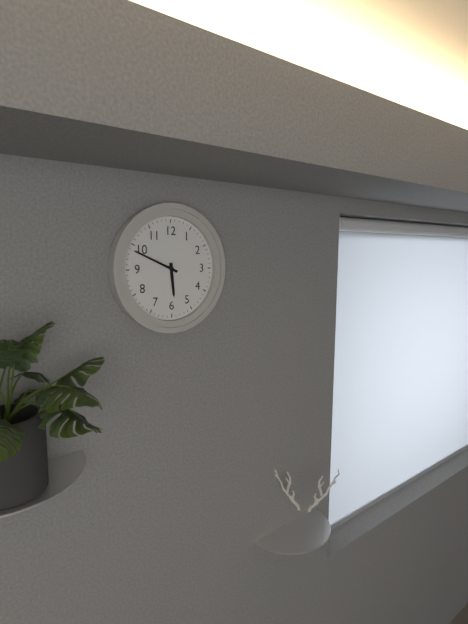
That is 5:49
